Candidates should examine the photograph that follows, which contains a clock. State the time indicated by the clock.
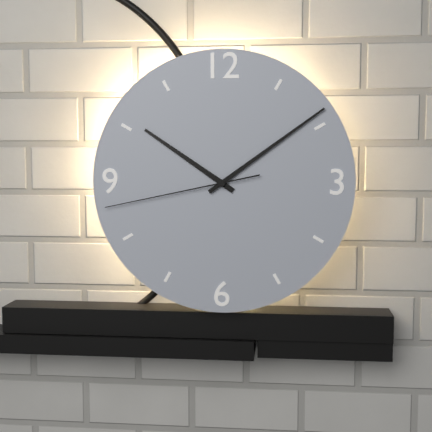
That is 10:09:43
